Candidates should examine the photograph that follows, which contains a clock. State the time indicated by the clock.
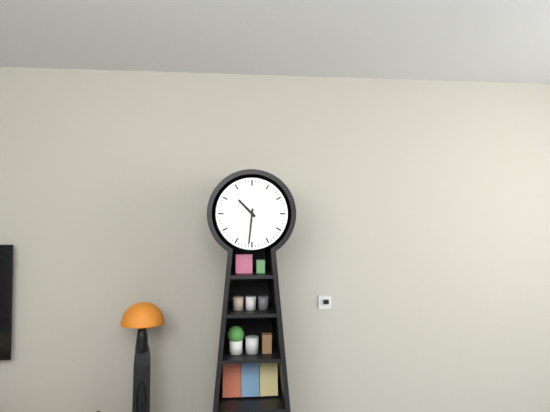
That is 10:31
